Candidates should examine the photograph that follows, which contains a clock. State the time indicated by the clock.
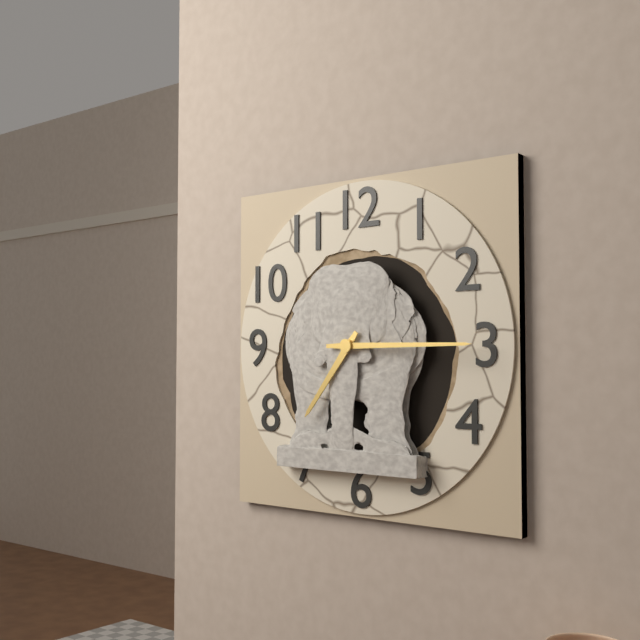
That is 7:15
